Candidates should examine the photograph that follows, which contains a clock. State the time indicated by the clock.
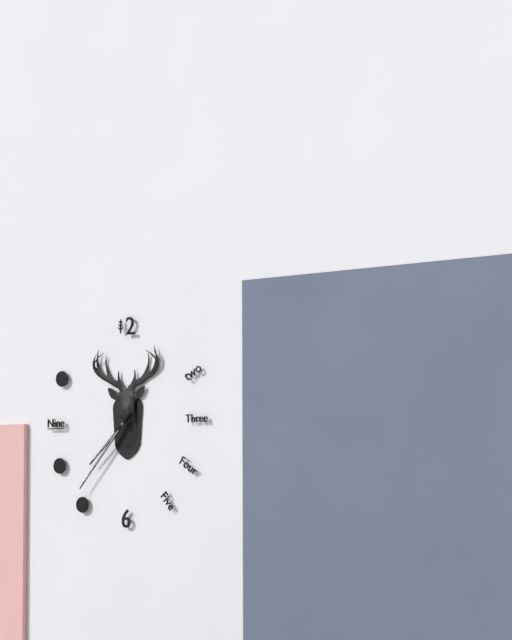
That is 7:37
